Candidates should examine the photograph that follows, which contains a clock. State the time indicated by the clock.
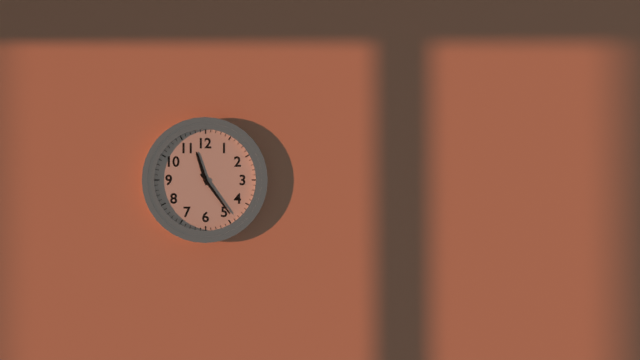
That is 11:24
